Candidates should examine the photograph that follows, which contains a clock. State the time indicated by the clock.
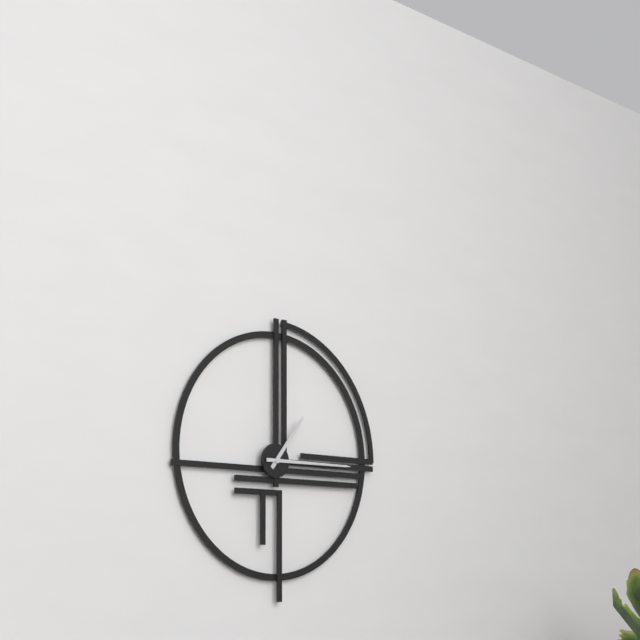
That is 1:15
